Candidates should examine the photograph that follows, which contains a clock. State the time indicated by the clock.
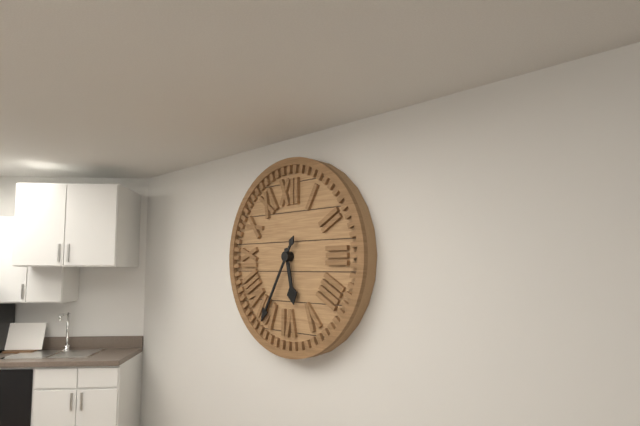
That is 5:35
